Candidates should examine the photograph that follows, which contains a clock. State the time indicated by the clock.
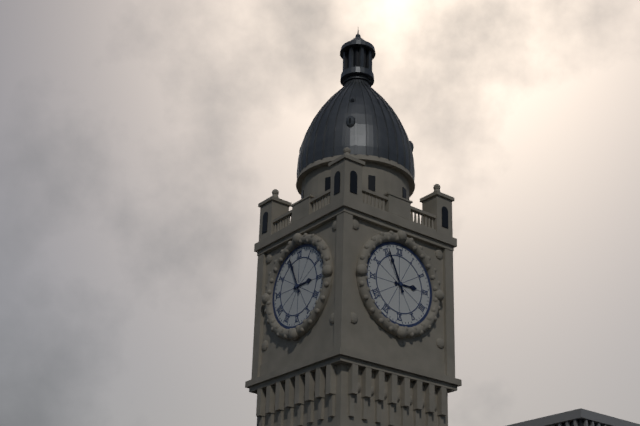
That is 2:56
